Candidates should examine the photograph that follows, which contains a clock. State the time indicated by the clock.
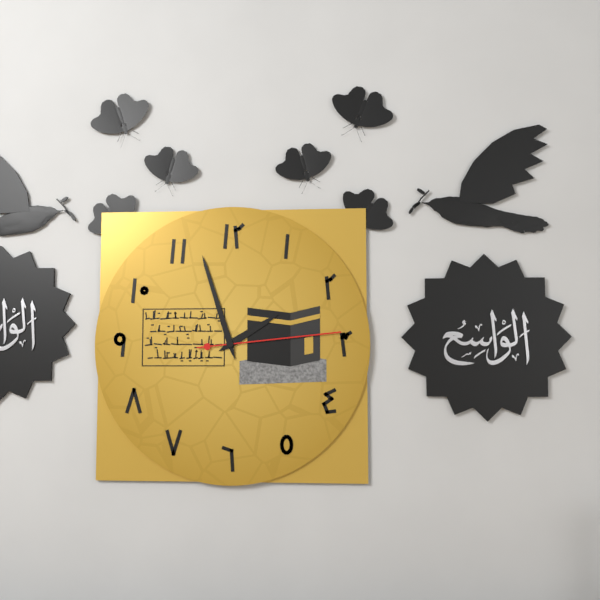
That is 1:57:14
